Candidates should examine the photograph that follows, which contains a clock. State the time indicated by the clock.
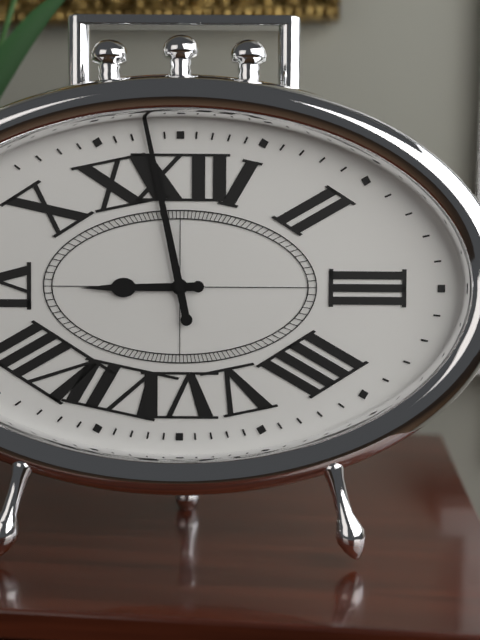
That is 8:58
